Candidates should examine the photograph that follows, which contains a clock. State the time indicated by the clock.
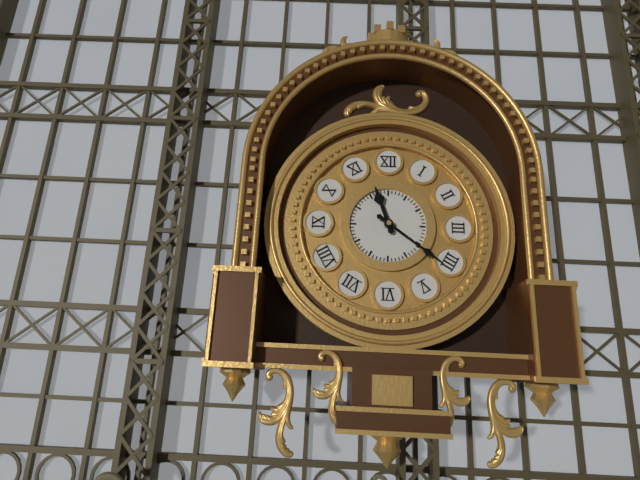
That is 11:21
